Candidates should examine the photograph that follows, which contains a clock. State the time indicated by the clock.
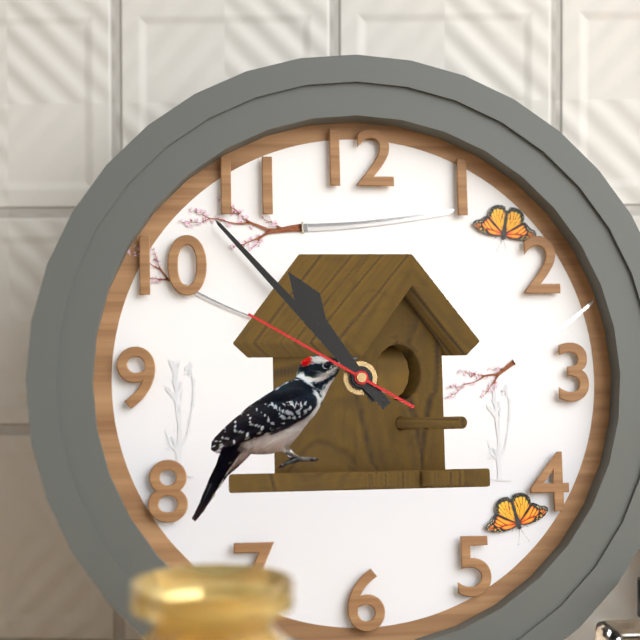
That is 10:53:50
